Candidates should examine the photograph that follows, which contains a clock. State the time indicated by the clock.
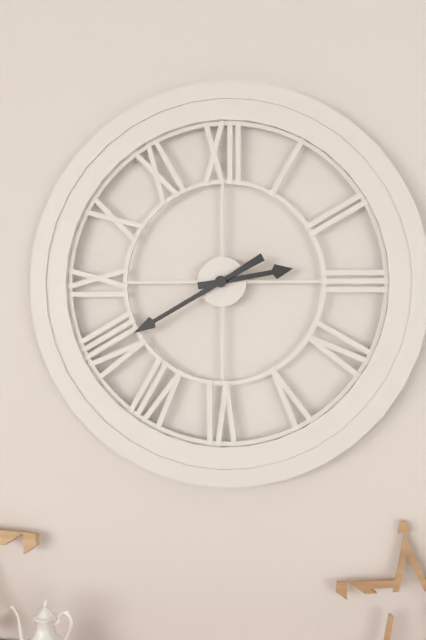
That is 2:40
